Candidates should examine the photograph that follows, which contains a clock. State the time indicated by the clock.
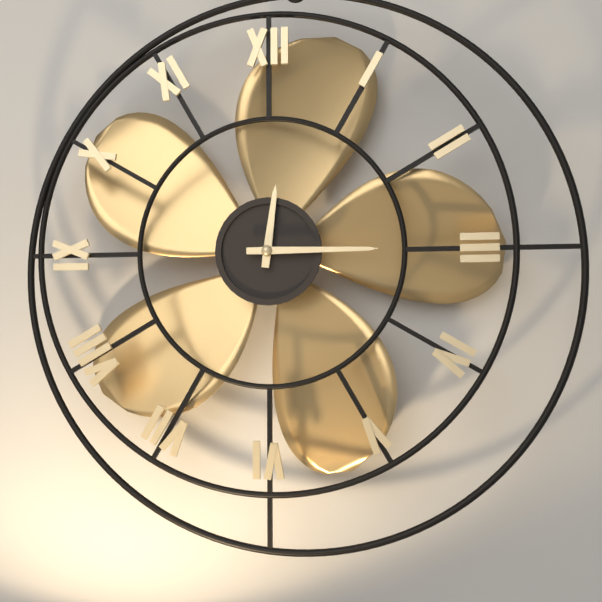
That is 12:15
